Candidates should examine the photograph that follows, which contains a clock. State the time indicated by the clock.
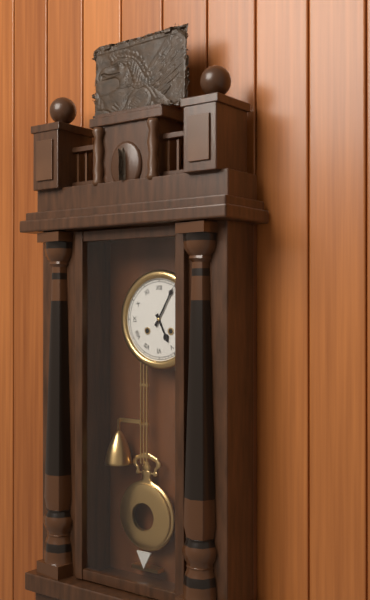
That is 5:05
